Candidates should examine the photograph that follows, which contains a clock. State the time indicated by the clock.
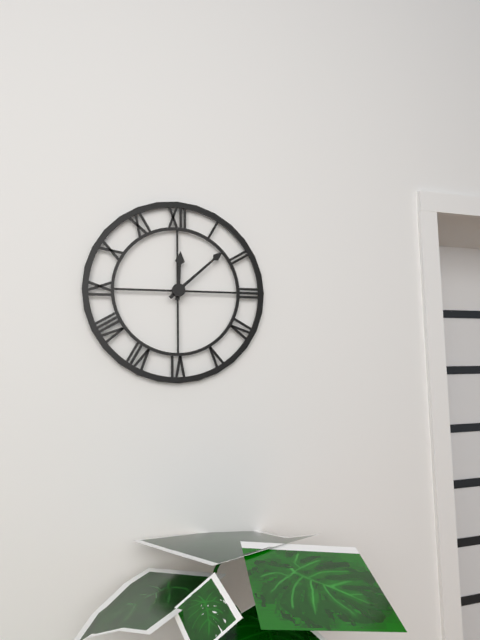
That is 12:08
